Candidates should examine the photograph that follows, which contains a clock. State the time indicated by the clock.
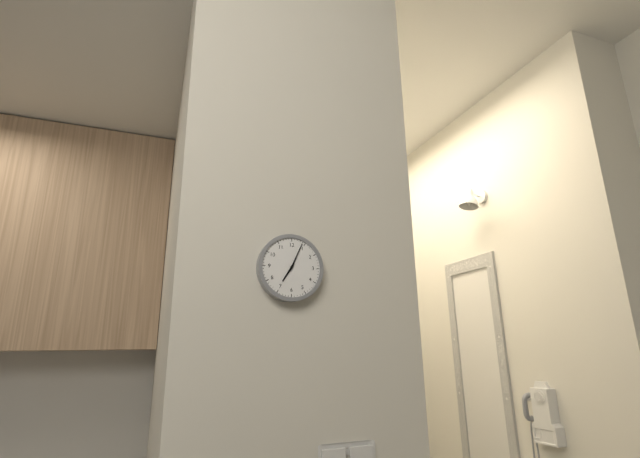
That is 7:04
